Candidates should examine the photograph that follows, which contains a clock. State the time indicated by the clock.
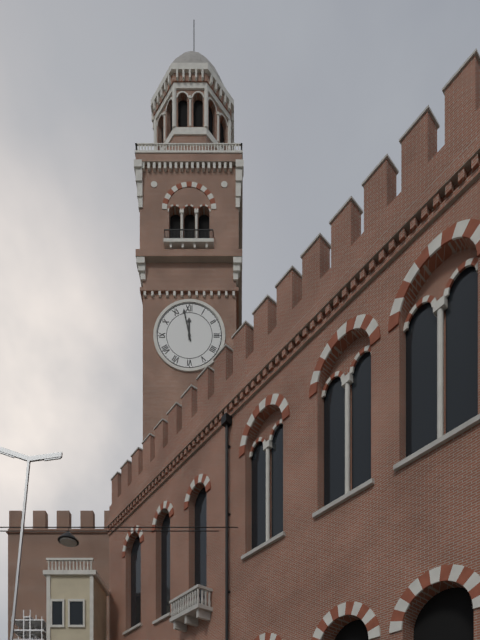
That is 11:58
